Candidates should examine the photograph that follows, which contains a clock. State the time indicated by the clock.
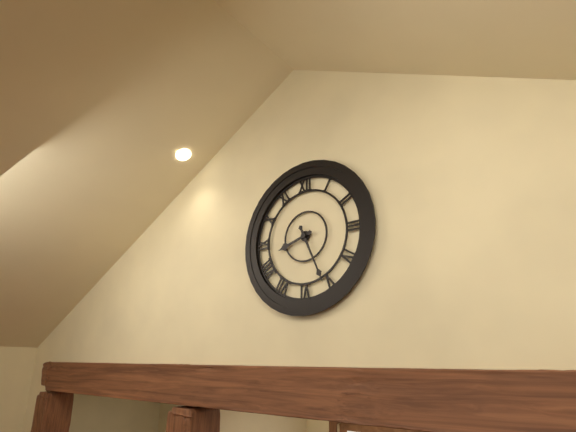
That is 8:26
